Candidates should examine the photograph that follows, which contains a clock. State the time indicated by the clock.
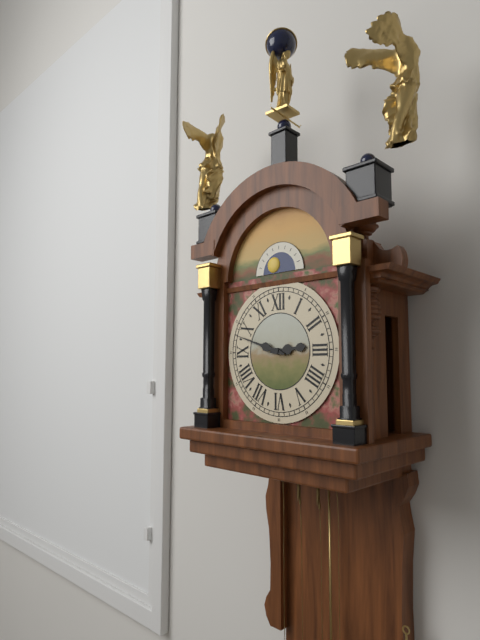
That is 2:48
